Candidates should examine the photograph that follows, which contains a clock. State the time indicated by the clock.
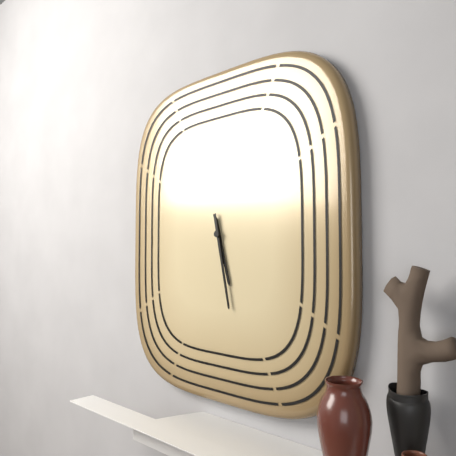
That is 5:28
